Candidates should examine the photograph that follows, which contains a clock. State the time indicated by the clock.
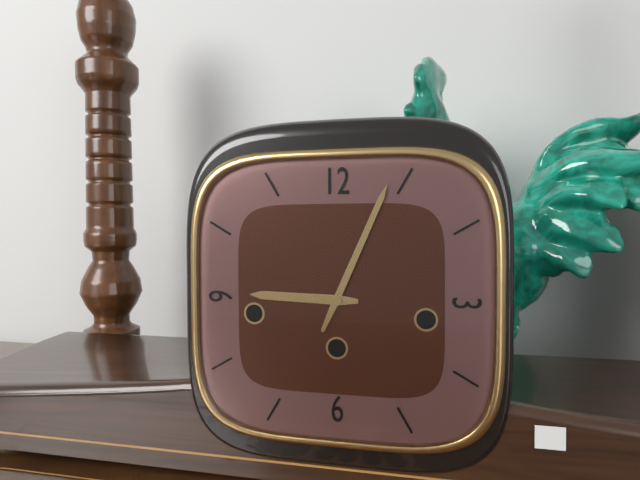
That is 9:04
